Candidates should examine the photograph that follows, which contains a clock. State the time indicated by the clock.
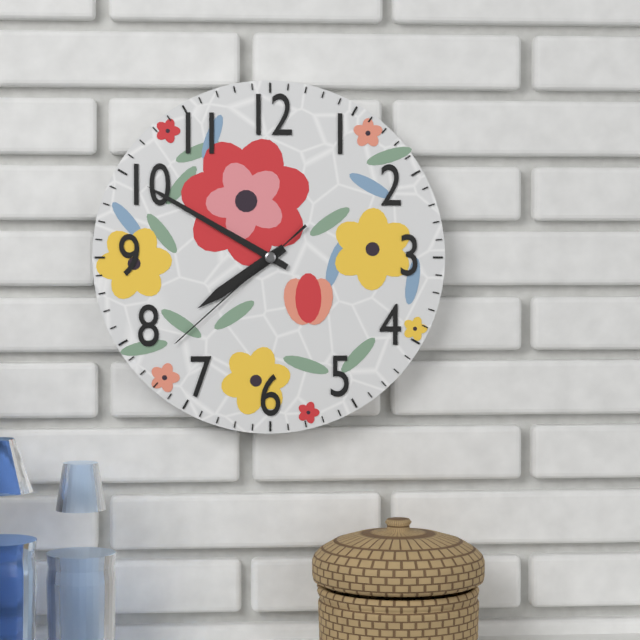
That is 7:50:38
